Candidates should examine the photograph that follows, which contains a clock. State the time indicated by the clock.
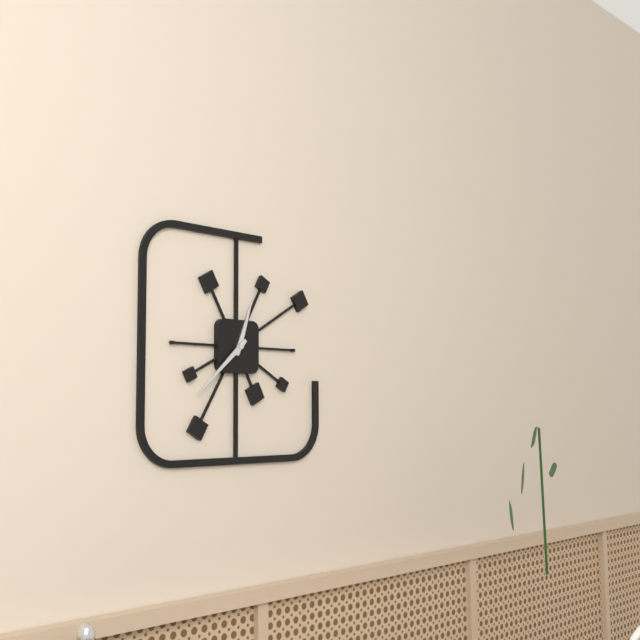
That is 12:38
